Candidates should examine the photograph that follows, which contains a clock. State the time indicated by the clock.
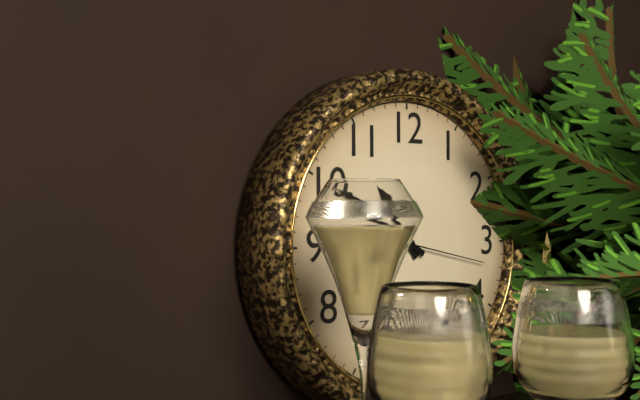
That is 10:50:17
